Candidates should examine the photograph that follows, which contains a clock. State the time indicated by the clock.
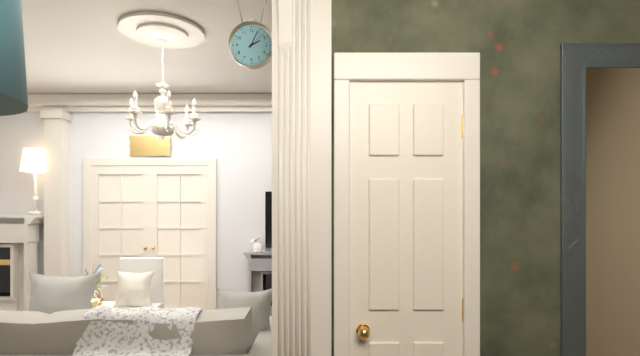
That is 2:04
